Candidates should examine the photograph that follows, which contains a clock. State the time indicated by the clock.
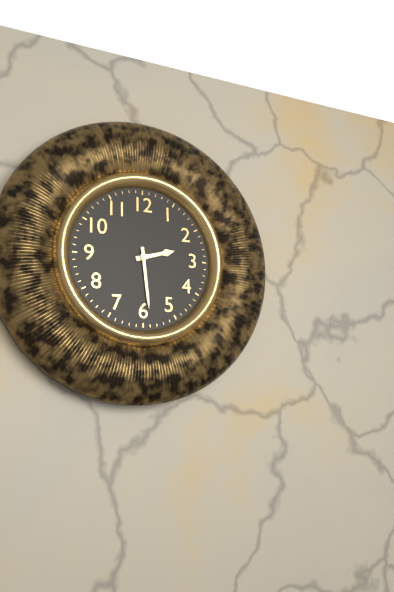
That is 2:29
